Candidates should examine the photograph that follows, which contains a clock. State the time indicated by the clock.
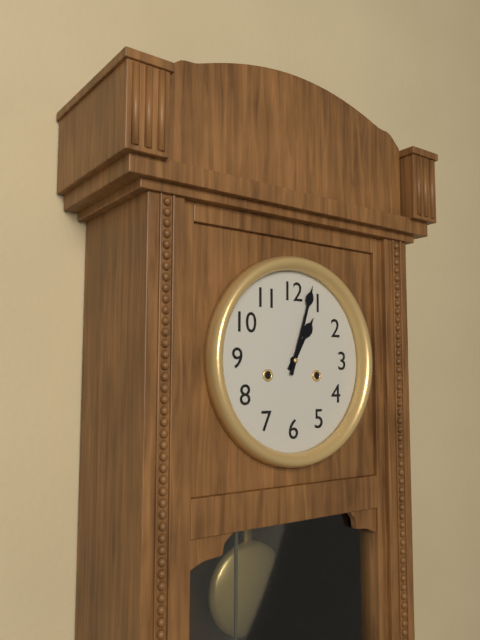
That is 1:03
